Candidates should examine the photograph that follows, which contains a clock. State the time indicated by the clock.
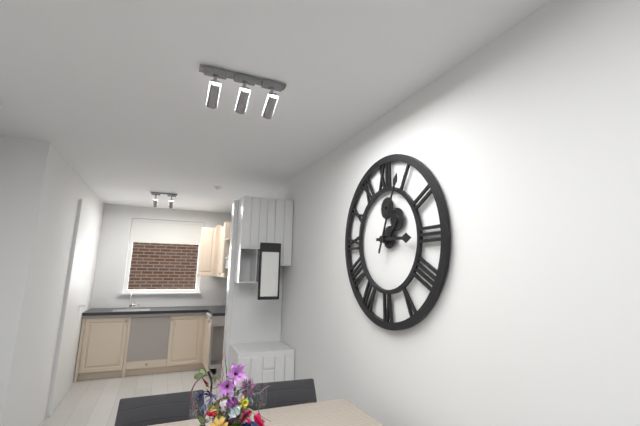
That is 3:04
